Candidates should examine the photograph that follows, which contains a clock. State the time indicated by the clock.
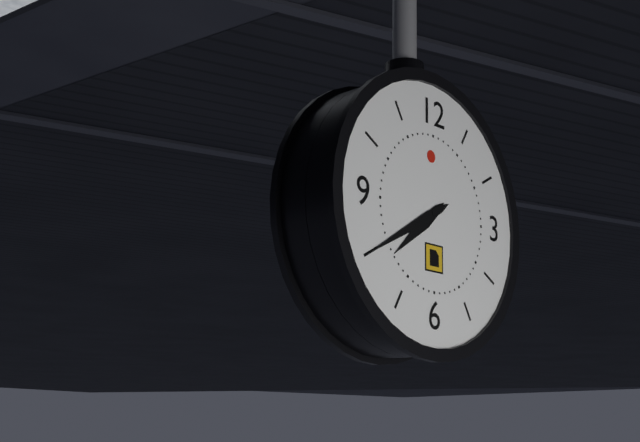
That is 7:40
